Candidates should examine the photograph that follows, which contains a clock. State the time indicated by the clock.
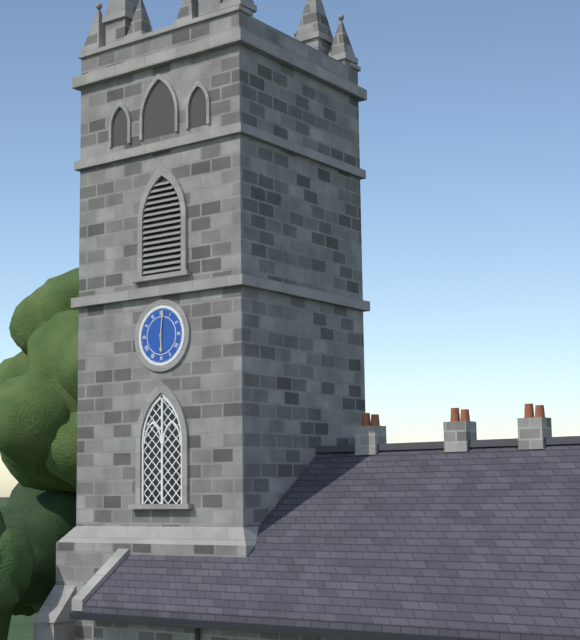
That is 6:01
